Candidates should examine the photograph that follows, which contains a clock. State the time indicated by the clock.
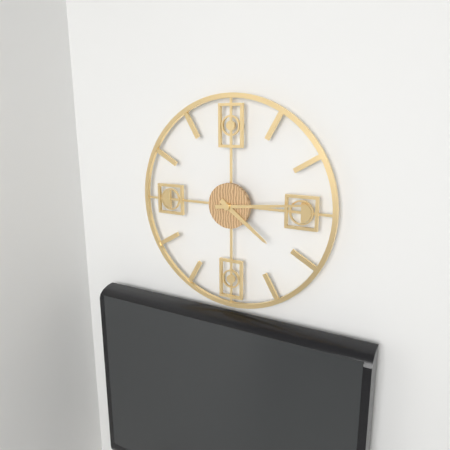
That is 4:14
